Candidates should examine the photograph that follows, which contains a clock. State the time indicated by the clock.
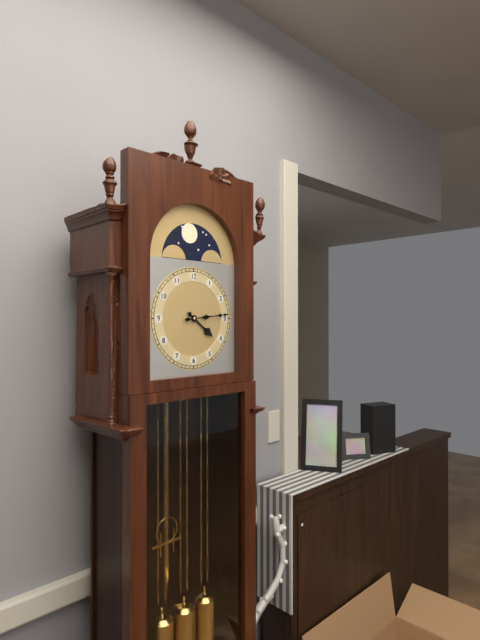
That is 4:14
